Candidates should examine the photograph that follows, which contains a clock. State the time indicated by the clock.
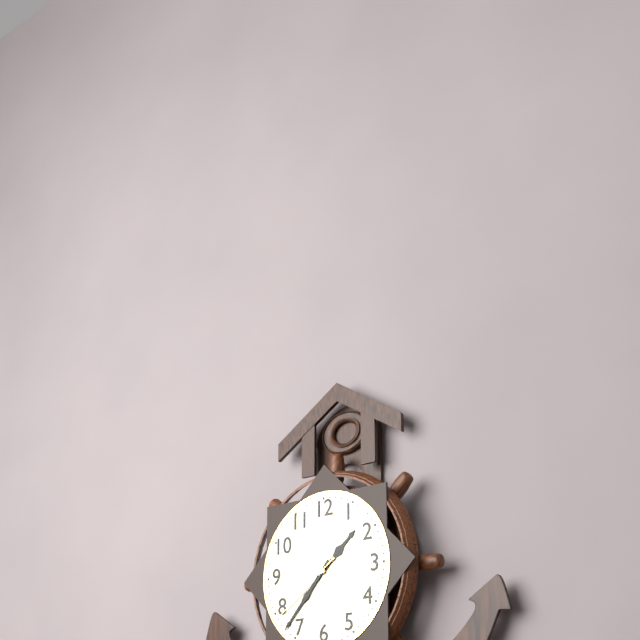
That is 1:37:39
